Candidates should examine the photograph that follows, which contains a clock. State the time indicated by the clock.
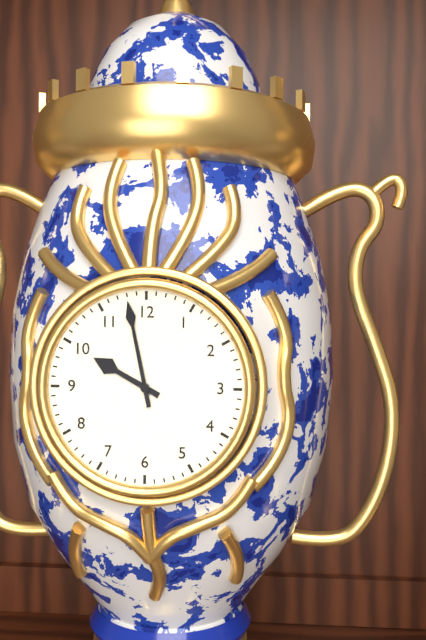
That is 9:58
